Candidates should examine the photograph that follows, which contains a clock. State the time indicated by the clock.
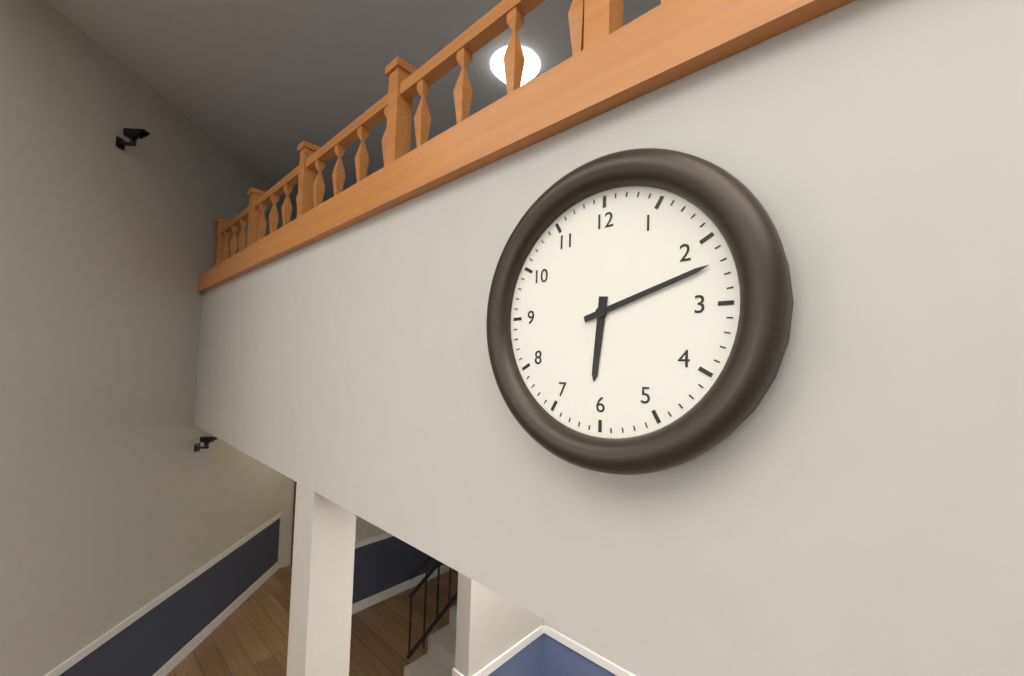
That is 6:12
